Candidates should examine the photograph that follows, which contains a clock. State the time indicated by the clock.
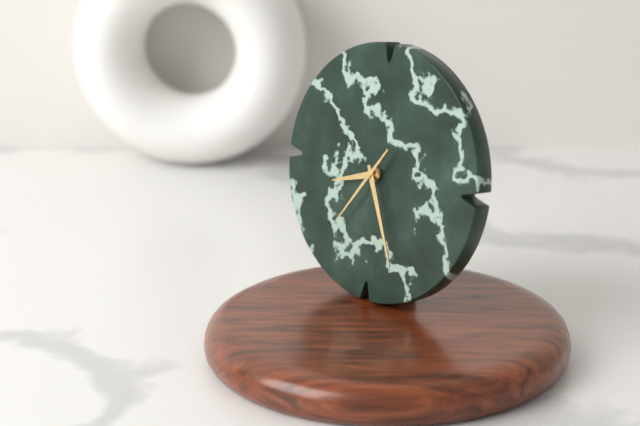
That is 8:26:36
